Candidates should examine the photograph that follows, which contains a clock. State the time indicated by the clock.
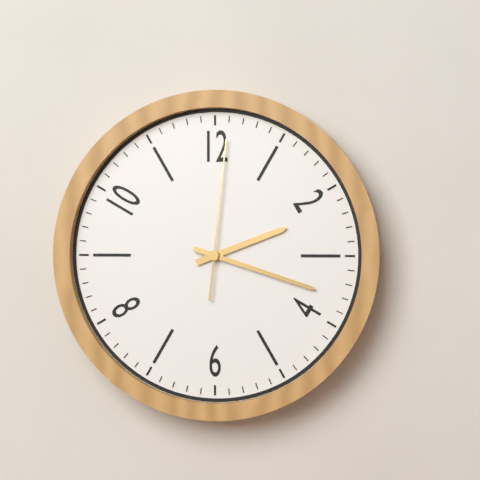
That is 2:18:01
